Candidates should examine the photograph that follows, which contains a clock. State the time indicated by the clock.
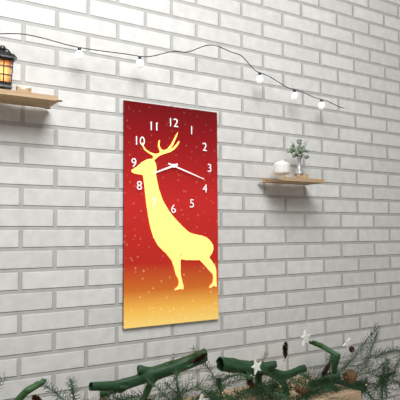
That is 8:18
